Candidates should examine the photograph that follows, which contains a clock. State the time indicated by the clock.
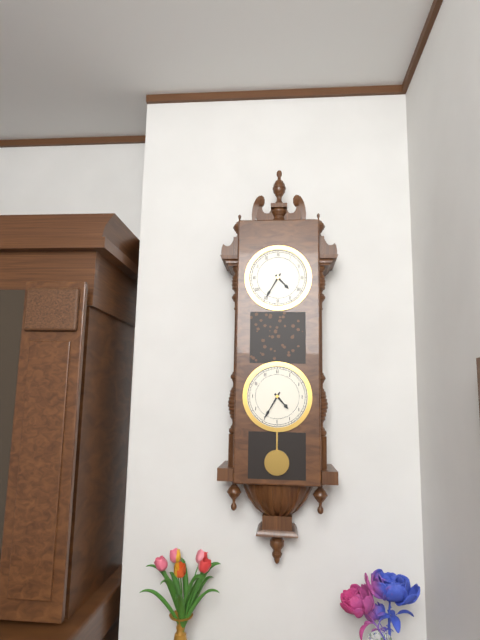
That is 4:35
